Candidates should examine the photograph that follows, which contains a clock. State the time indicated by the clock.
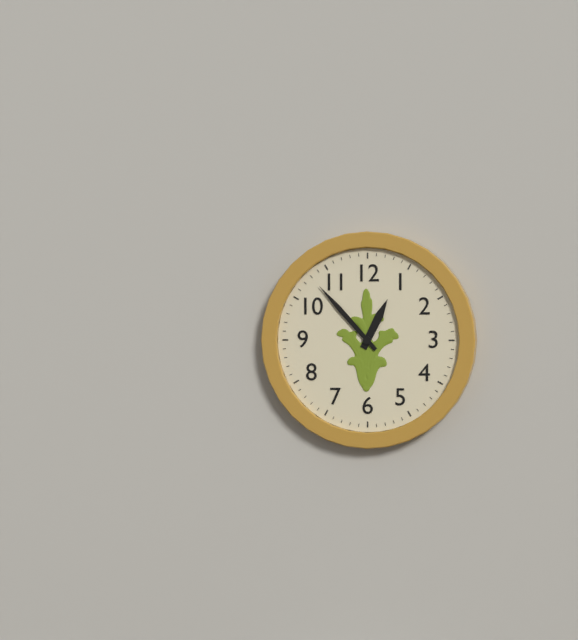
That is 12:53
